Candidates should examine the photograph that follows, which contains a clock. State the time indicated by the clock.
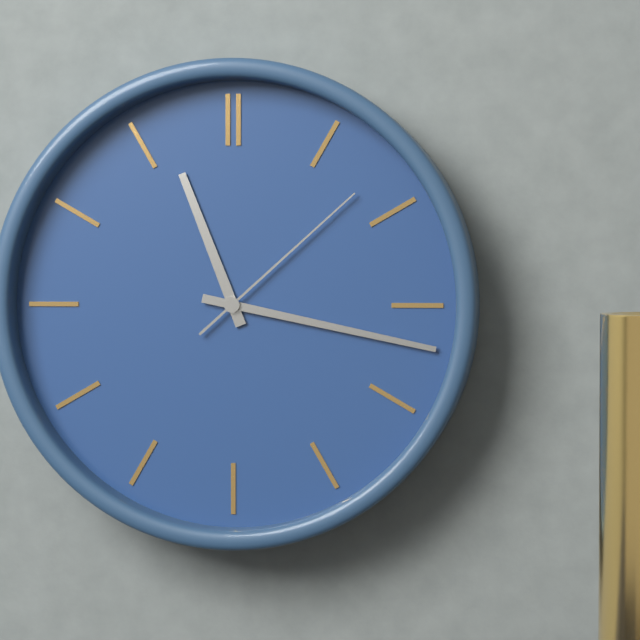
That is 11:17:08
